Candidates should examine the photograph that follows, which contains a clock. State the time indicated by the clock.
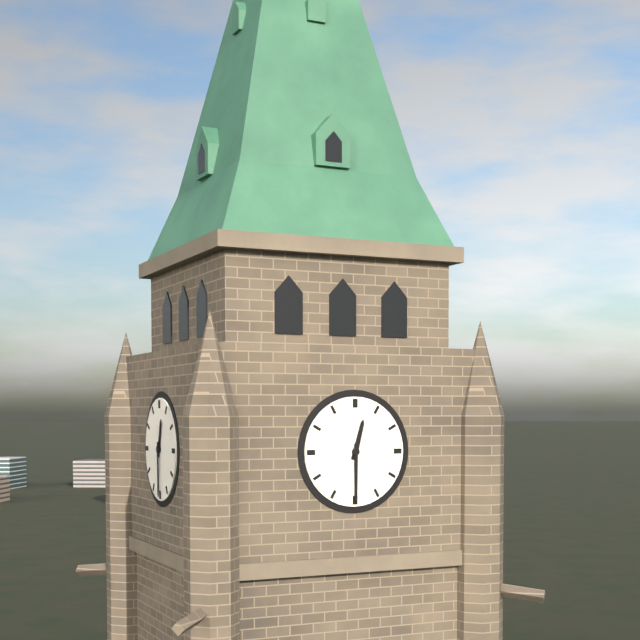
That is 12:30
